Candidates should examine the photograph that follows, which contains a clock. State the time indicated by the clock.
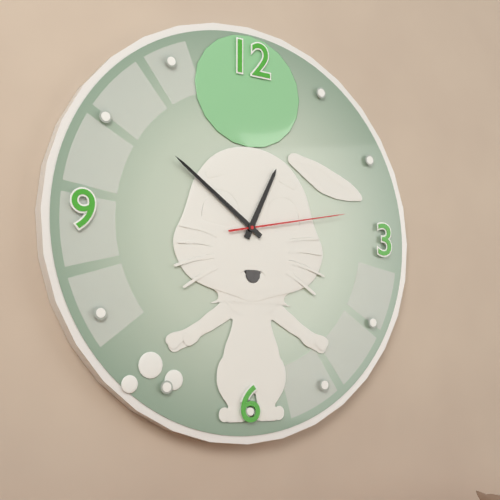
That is 12:51:13
